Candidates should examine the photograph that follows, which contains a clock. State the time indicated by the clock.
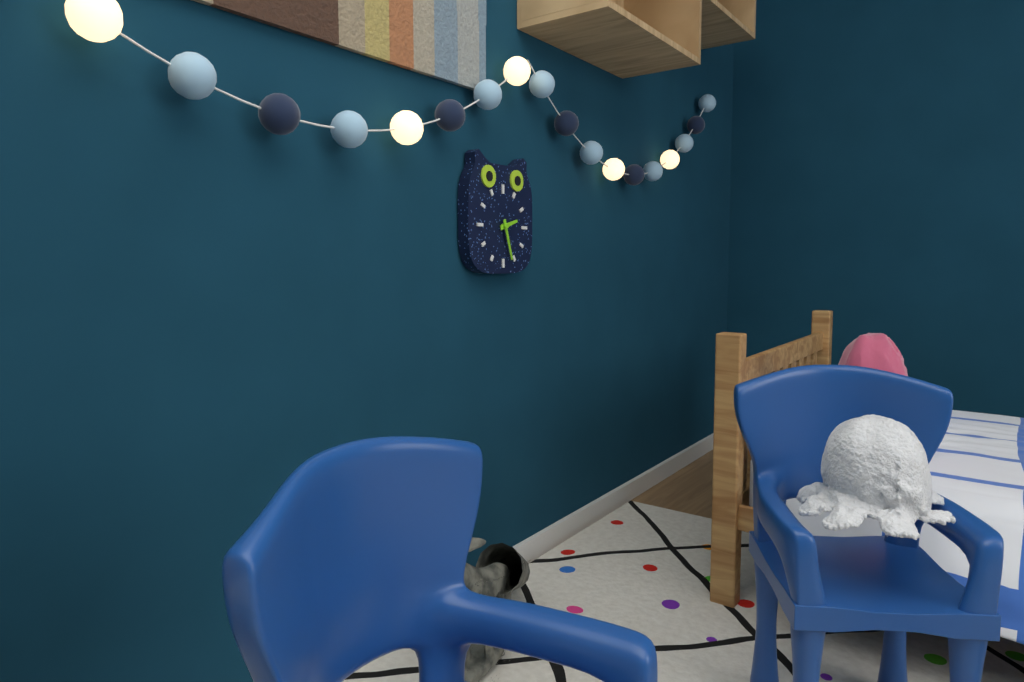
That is 2:27
